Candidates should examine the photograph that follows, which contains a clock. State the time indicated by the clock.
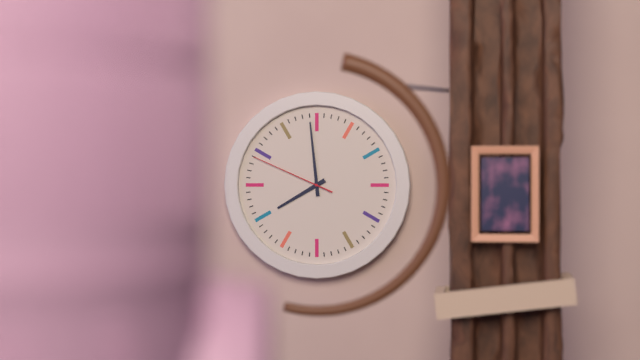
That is 7:59:49
